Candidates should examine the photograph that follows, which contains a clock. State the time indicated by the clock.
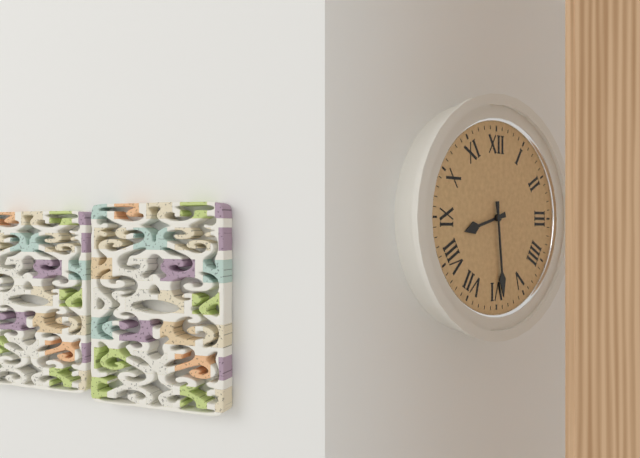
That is 8:29
